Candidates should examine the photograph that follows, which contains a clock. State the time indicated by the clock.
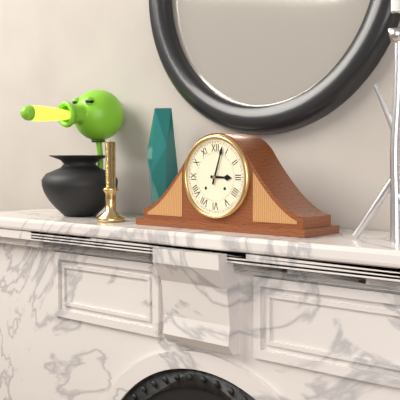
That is 3:03
